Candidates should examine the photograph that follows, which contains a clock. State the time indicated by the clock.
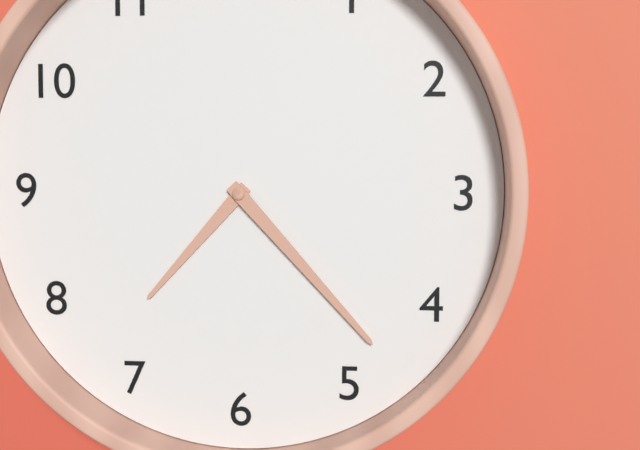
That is 7:23
